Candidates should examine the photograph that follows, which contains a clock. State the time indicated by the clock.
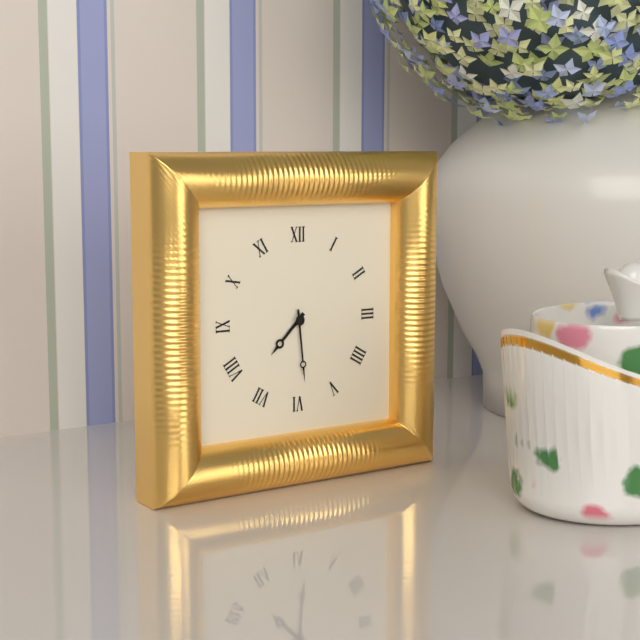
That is 7:29
